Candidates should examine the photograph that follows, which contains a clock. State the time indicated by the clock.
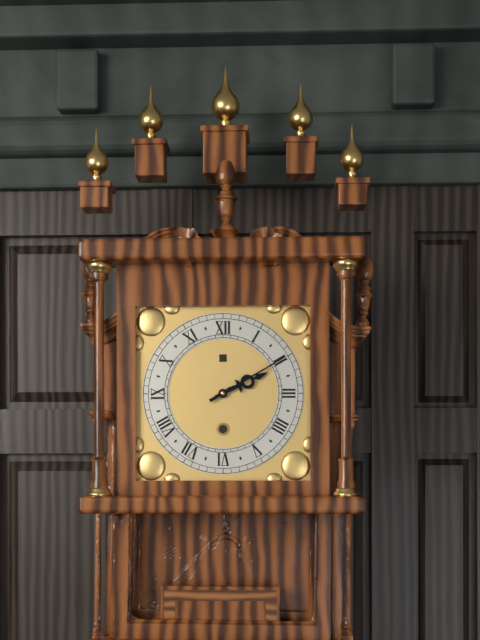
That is 2:10
